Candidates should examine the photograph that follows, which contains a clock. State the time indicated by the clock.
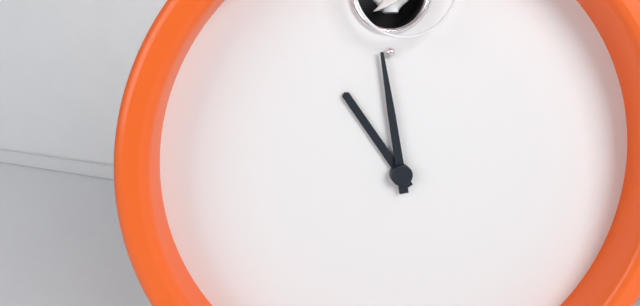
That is 10:59
